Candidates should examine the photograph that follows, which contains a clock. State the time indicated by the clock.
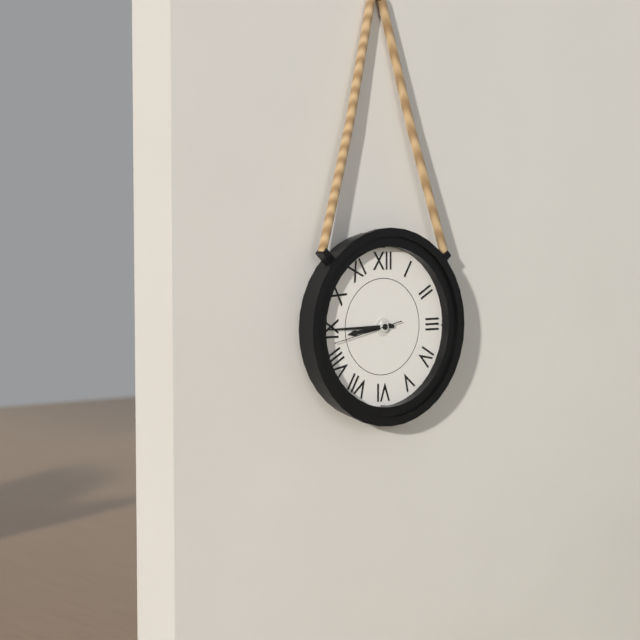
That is 8:45:43
